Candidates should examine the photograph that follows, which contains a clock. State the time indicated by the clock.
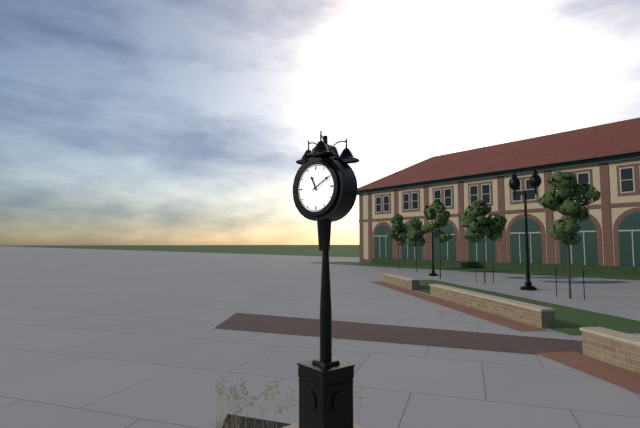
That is 11:10
